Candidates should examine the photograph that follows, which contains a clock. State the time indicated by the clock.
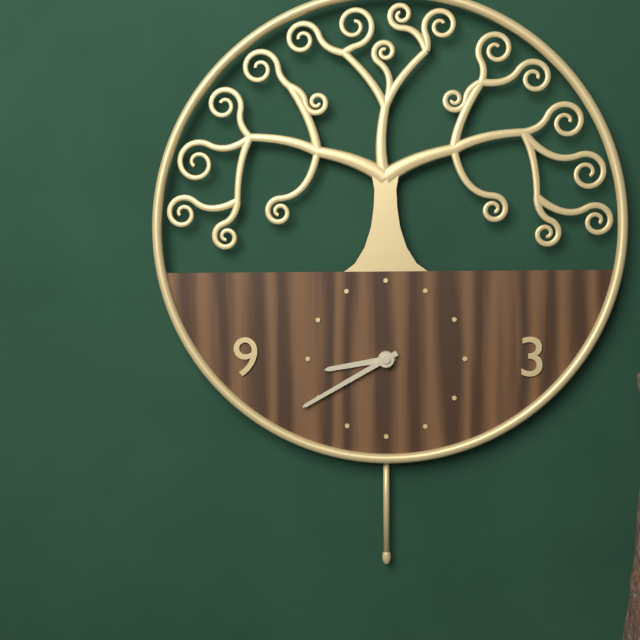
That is 8:40
